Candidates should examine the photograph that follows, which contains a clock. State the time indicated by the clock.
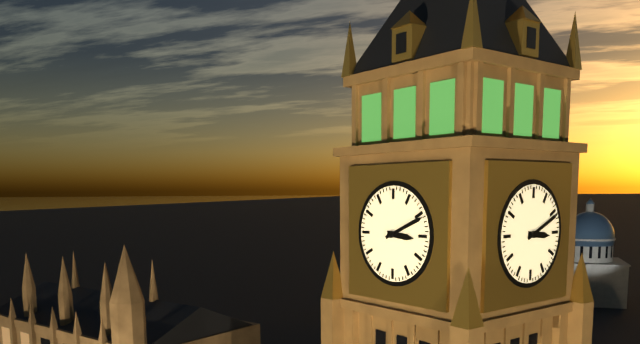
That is 3:11
